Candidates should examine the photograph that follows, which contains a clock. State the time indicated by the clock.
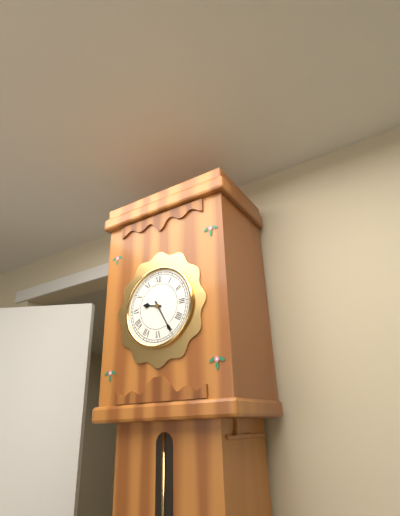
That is 9:25
